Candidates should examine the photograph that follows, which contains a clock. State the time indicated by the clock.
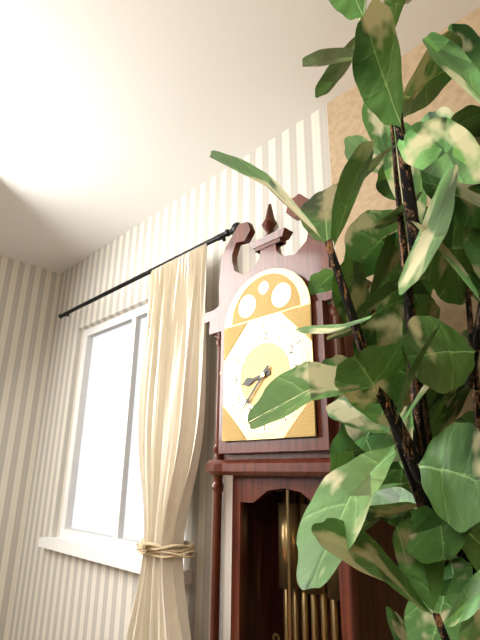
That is 8:37
